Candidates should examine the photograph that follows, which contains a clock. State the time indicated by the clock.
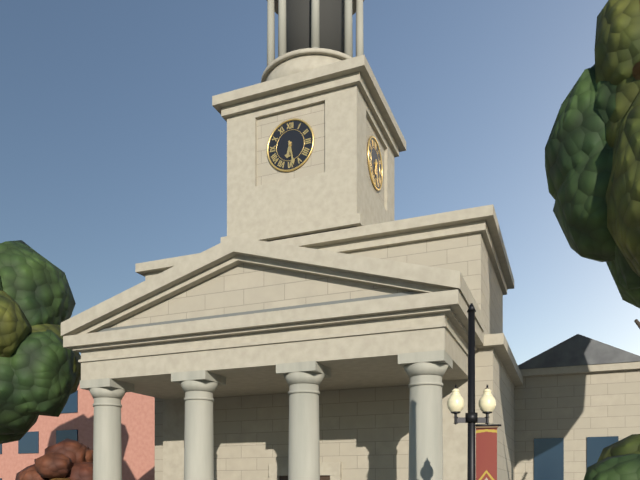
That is 6:28
